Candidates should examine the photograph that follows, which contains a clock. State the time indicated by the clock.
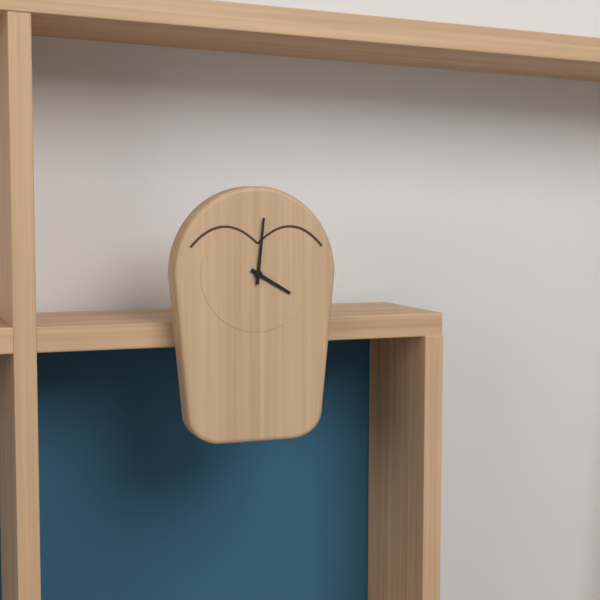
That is 4:01
